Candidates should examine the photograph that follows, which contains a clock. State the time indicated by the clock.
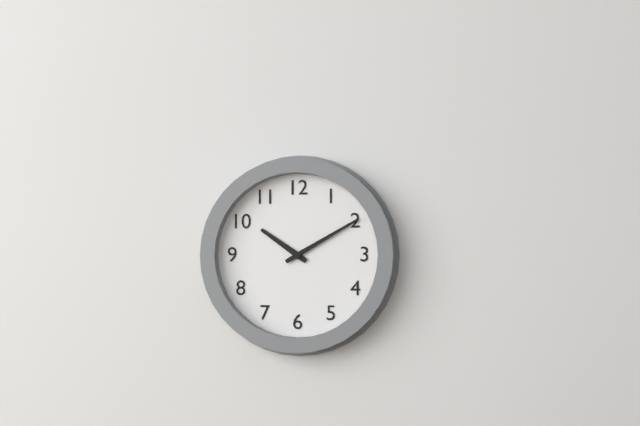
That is 10:10
